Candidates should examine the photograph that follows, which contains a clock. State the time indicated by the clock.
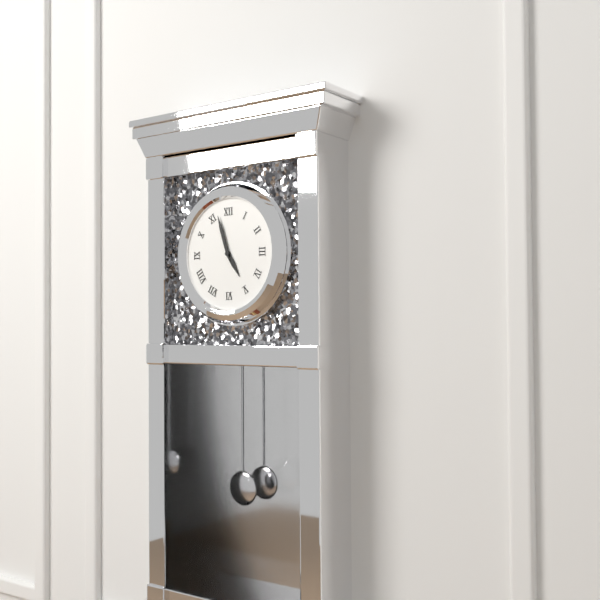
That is 4:57
